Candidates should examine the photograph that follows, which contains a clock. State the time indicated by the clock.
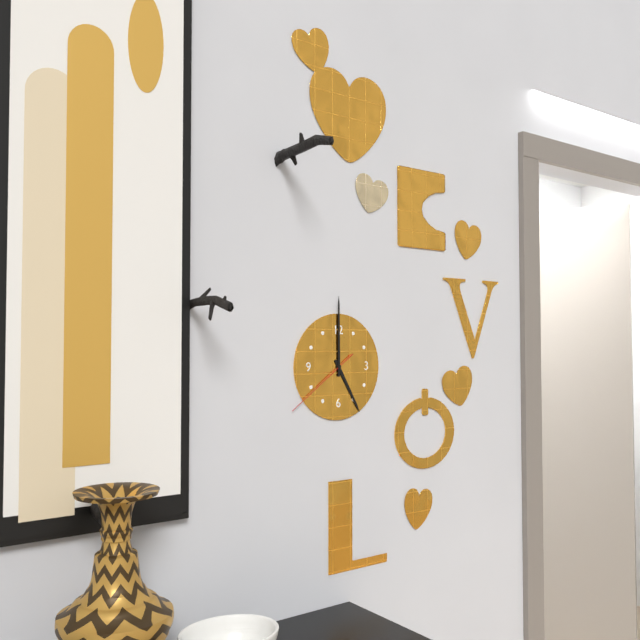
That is 5:00:39
